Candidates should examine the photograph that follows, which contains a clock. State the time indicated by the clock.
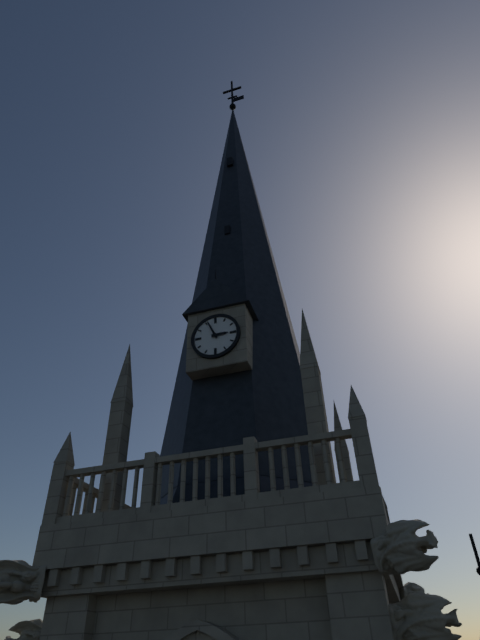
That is 2:56
